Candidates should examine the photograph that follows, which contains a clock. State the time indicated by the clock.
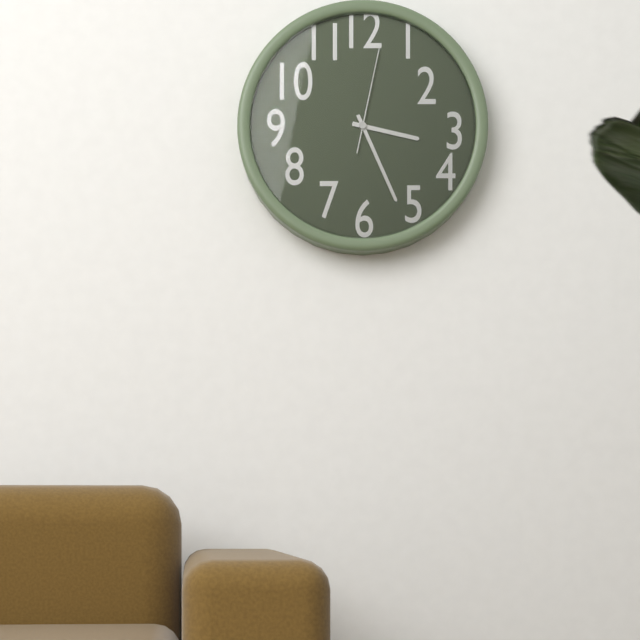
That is 3:26:02
